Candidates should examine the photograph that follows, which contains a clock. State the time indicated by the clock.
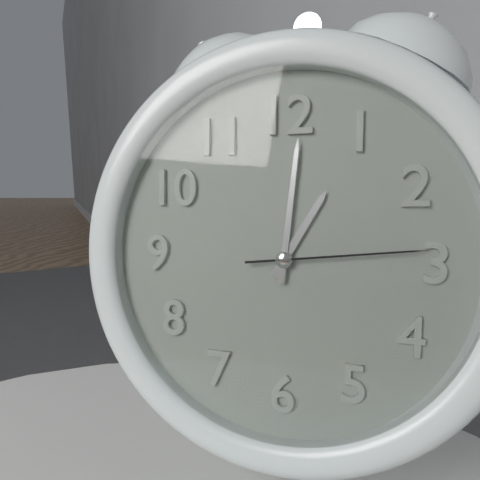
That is 1:01:14
